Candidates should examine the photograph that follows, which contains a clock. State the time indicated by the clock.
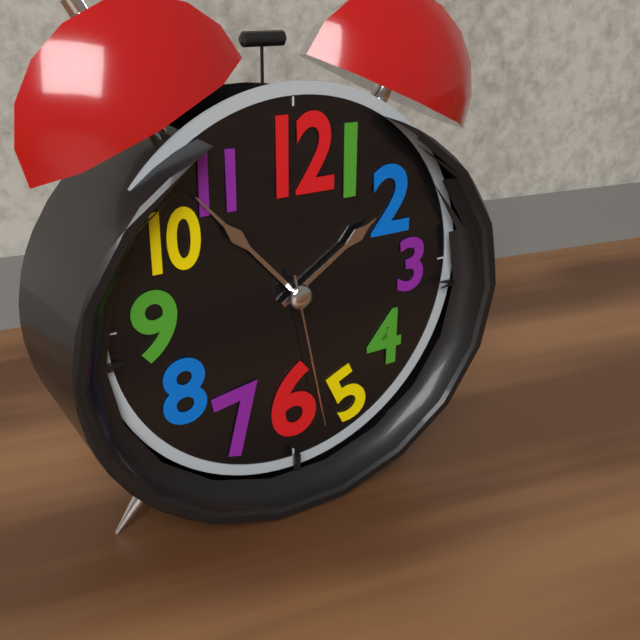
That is 1:53:28
